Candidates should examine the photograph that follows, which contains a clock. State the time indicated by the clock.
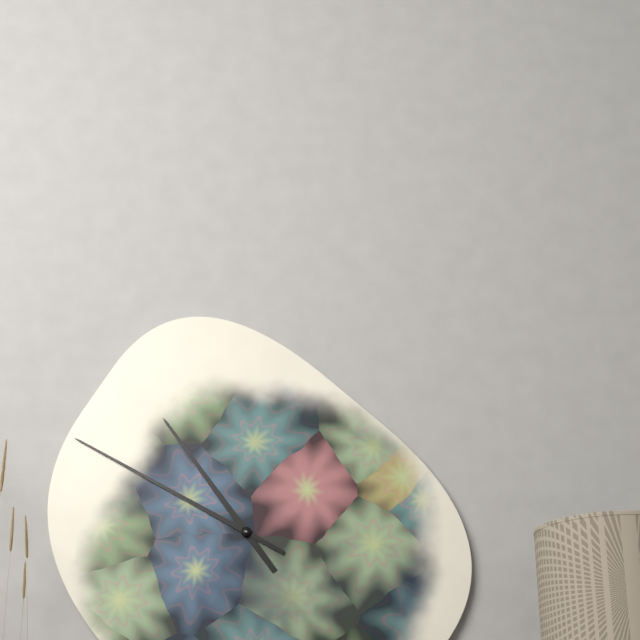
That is 10:50
